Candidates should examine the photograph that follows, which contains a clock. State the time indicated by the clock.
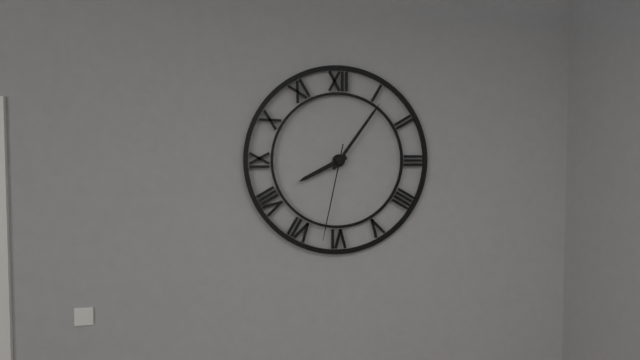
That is 8:06:32
